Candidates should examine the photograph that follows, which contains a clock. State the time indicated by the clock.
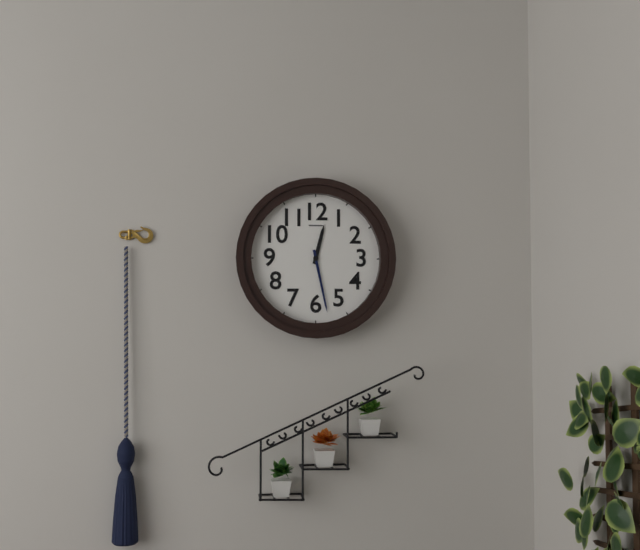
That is 12:28
